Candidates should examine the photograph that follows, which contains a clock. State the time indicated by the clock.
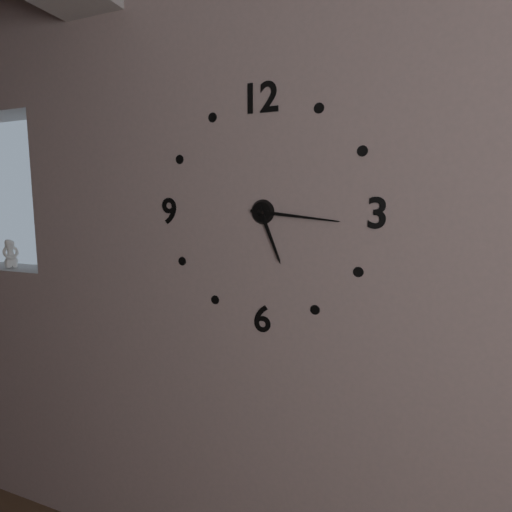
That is 5:16
